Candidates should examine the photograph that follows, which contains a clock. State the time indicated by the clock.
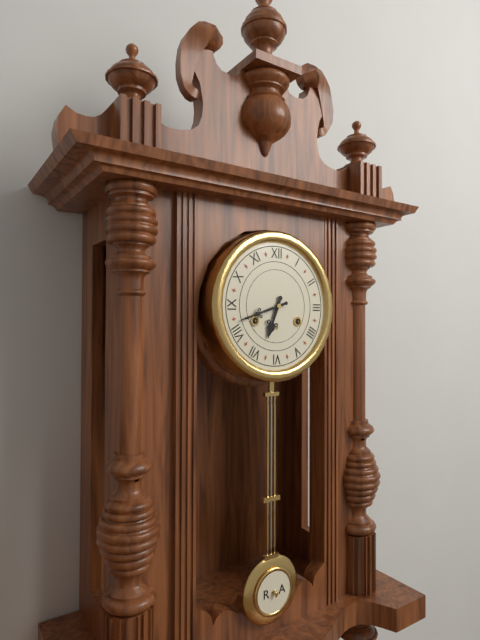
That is 6:42
